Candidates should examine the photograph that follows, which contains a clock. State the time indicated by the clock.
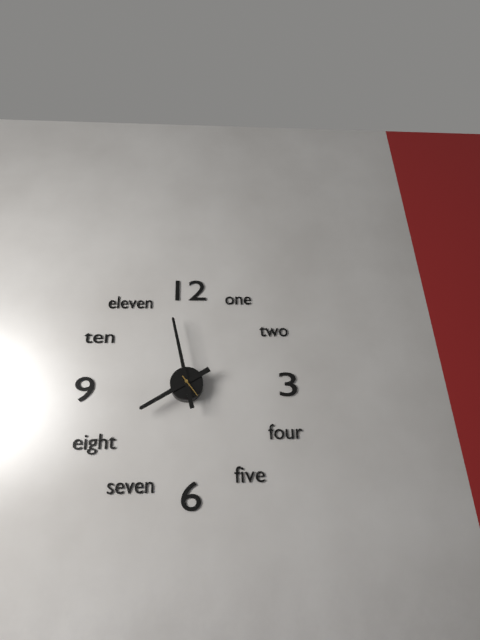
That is 7:58
